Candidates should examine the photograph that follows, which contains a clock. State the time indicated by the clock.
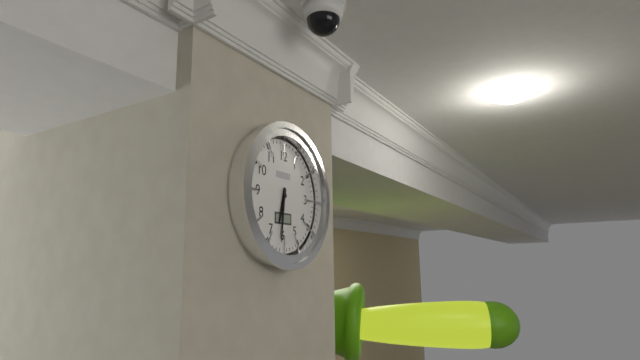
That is 6:31
